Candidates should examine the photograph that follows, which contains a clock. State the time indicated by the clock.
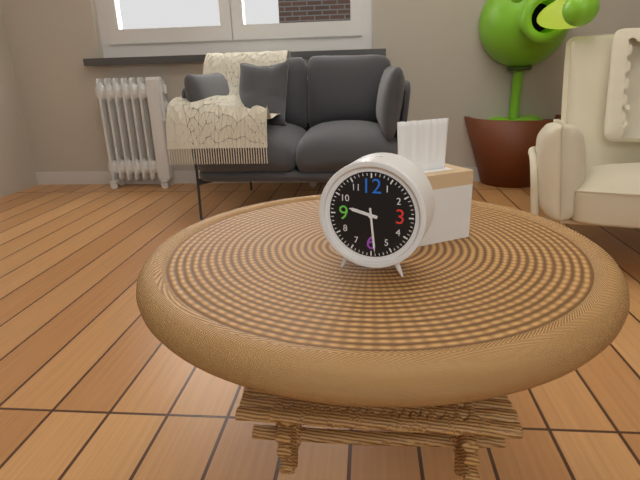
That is 9:29
